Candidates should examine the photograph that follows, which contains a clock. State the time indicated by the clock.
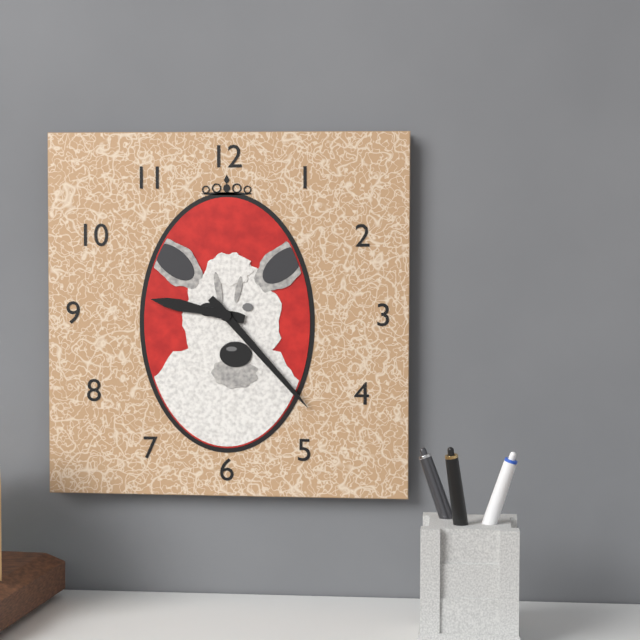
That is 9:23
